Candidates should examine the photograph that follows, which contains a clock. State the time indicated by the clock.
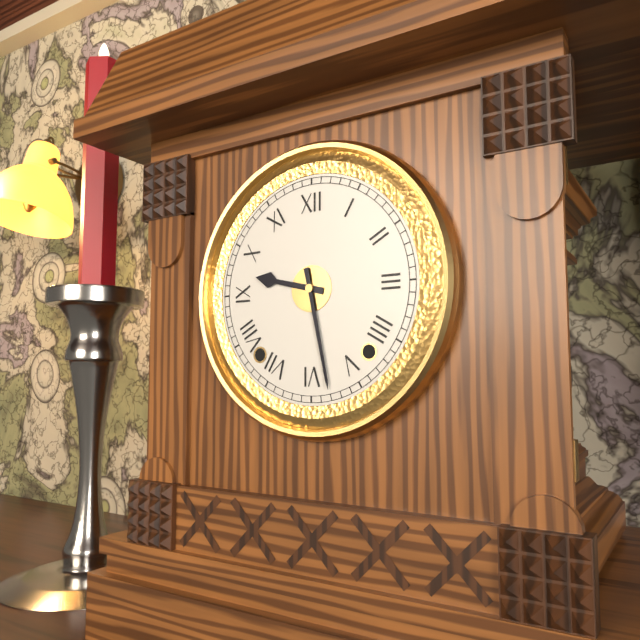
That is 9:28
